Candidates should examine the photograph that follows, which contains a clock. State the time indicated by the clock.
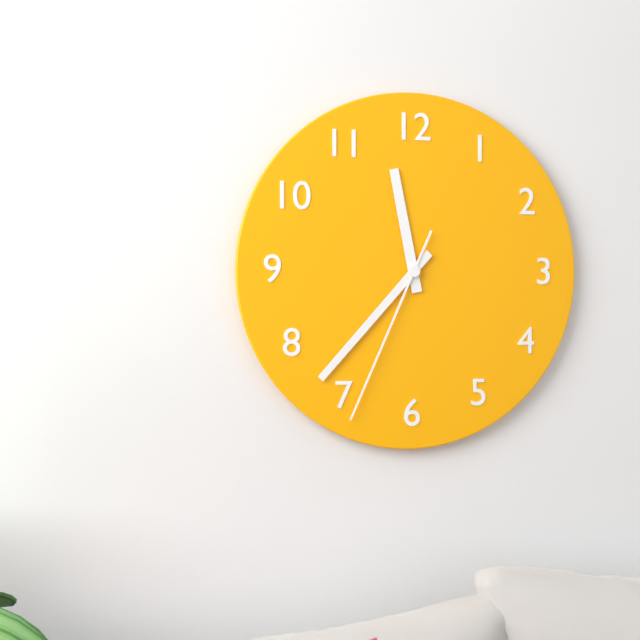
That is 11:37:34
